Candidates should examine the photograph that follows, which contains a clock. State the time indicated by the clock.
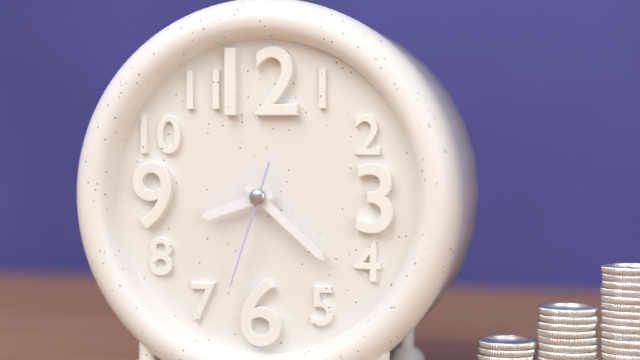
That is 8:22:33
